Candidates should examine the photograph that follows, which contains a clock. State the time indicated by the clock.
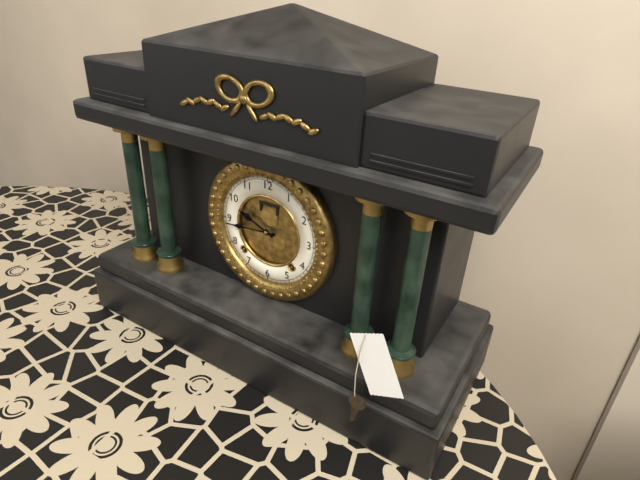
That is 9:44
